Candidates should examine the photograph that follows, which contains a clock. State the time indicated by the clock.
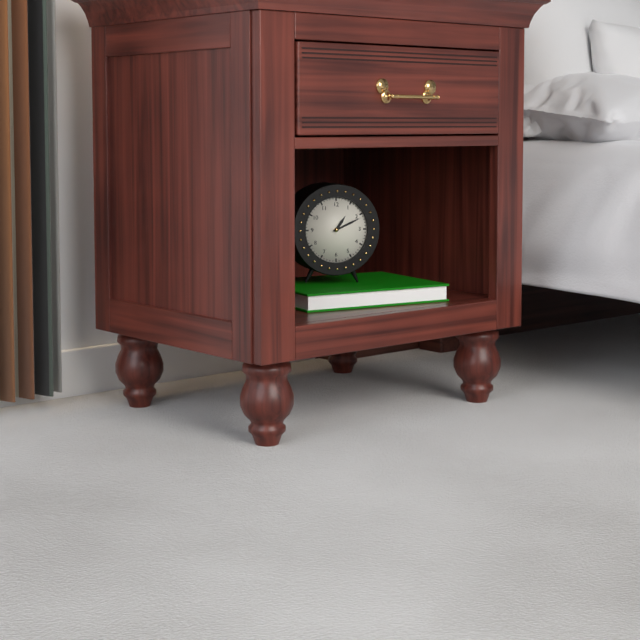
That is 1:11
